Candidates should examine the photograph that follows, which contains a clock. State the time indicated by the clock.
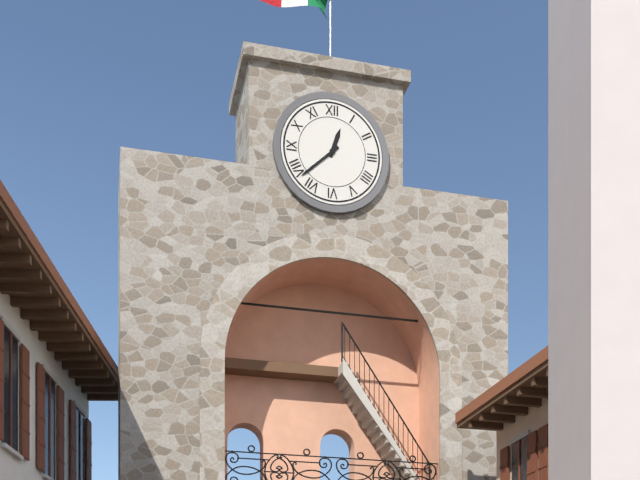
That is 12:38
